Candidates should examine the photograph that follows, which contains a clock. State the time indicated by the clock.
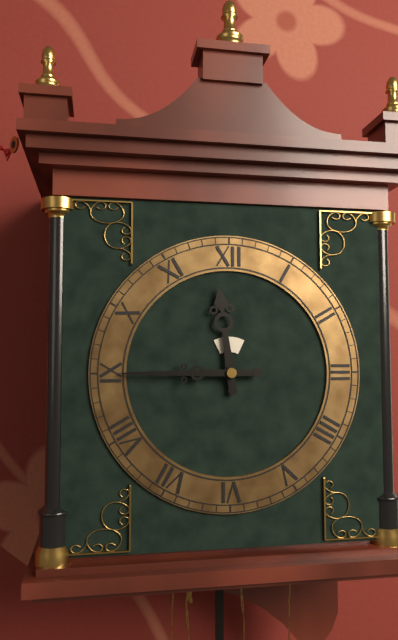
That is 11:45
